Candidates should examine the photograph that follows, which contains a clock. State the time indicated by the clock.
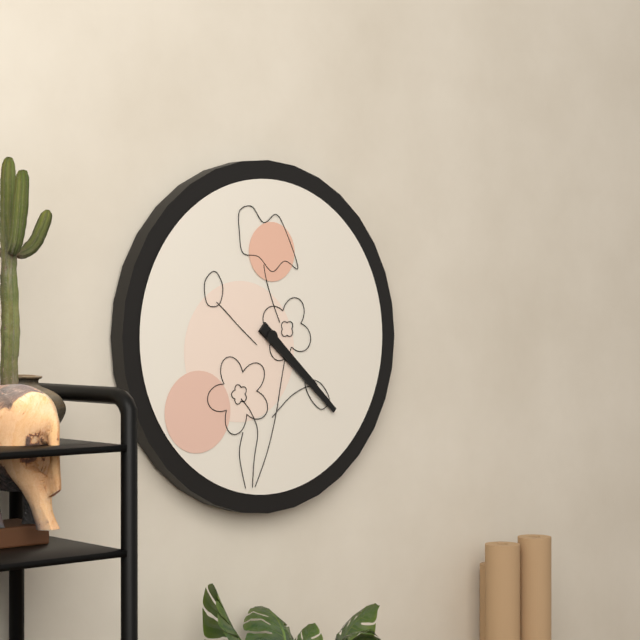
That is 4:22
